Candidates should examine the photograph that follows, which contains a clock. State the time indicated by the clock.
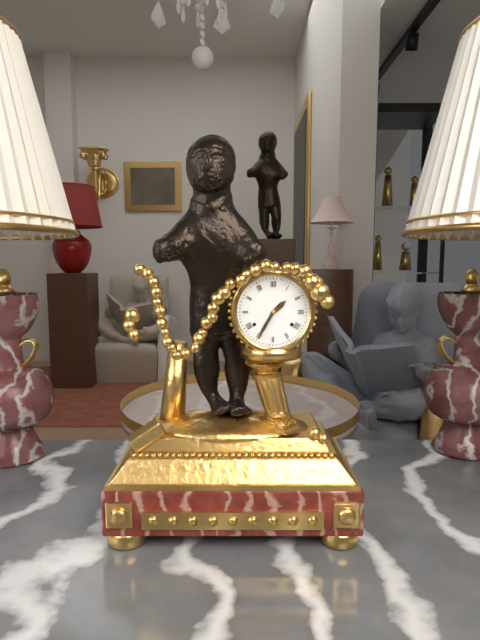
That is 1:35
